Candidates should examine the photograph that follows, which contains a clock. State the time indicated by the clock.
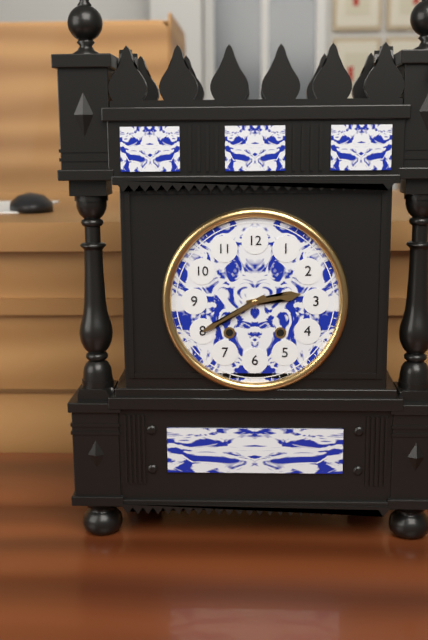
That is 2:40
